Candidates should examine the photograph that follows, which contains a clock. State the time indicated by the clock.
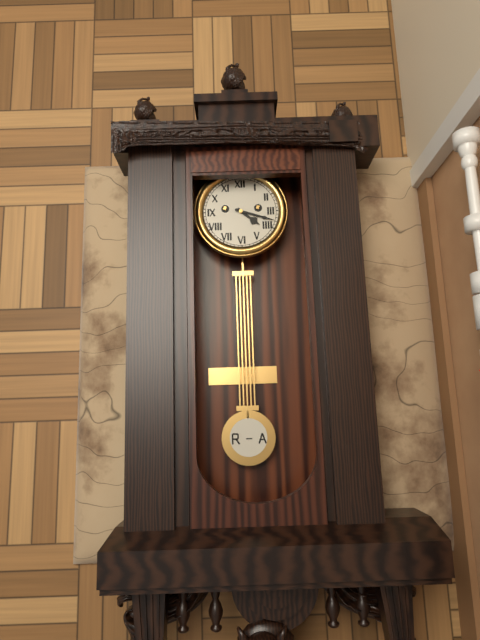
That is 4:18
